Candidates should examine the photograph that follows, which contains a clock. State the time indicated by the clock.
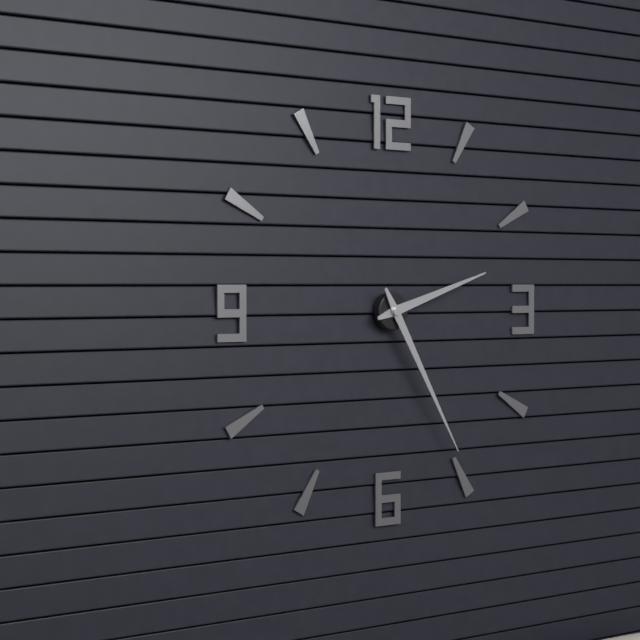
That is 2:25
